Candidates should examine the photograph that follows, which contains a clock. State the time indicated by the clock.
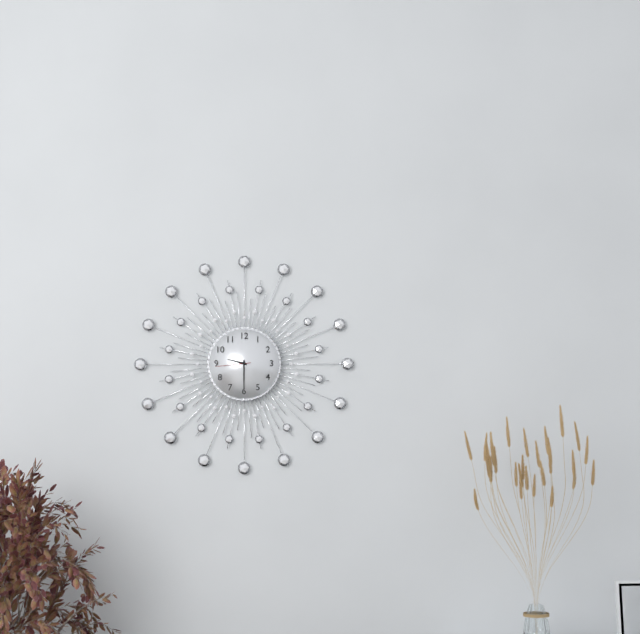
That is 9:30
